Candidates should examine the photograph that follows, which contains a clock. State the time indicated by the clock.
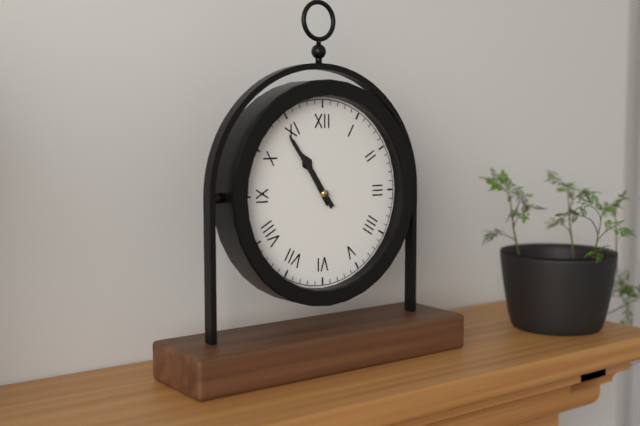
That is 10:54
